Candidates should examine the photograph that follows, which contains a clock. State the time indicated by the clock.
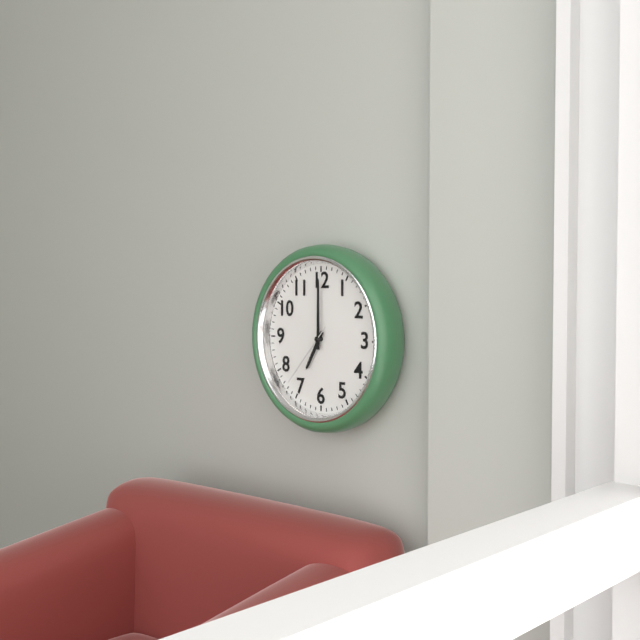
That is 7:00:37
